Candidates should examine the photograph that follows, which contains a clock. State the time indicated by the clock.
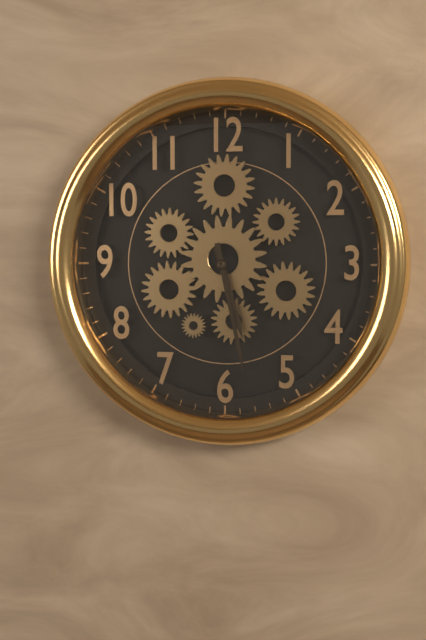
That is 5:28
